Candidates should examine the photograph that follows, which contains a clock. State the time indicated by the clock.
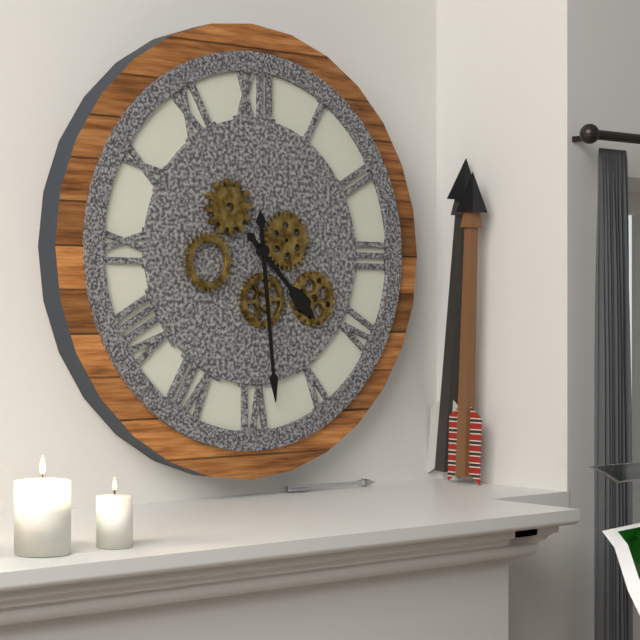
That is 4:29
